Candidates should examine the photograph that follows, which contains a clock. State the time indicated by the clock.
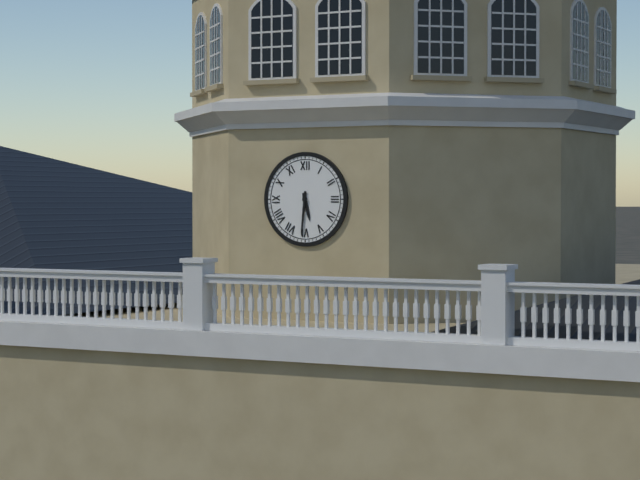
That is 5:31
